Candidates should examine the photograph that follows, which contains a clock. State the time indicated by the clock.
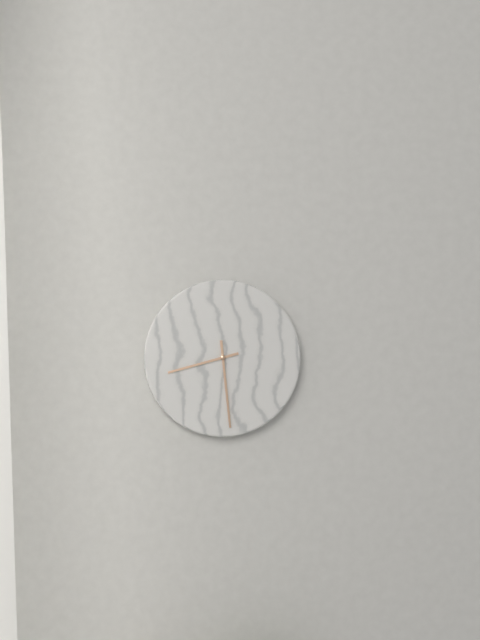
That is 8:29
